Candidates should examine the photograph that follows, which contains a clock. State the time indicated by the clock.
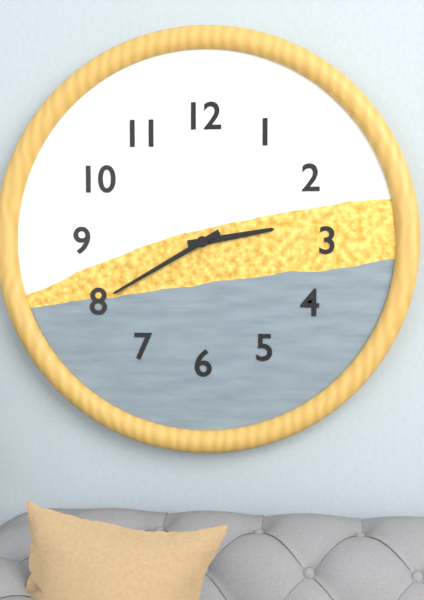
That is 2:40
